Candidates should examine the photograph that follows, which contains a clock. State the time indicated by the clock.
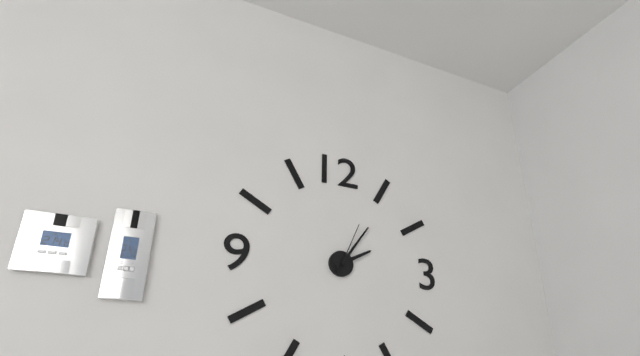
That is 2:06:04
